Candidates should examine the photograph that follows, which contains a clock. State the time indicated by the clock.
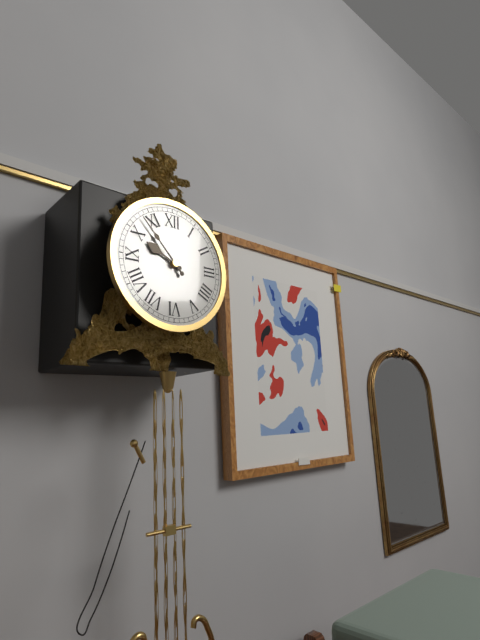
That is 9:53
